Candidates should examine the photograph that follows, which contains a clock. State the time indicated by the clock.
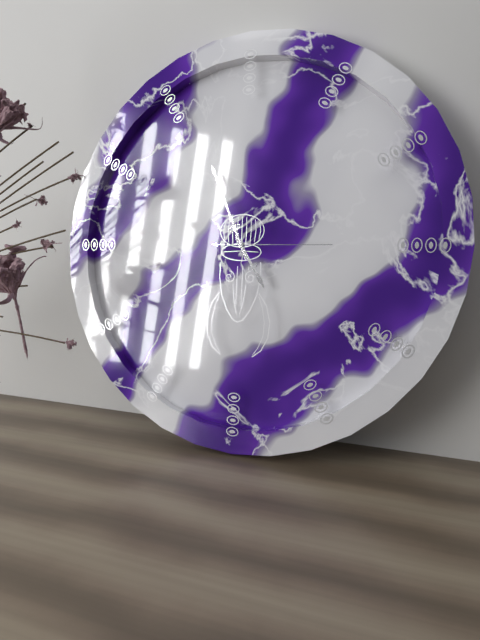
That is 4:56:15
